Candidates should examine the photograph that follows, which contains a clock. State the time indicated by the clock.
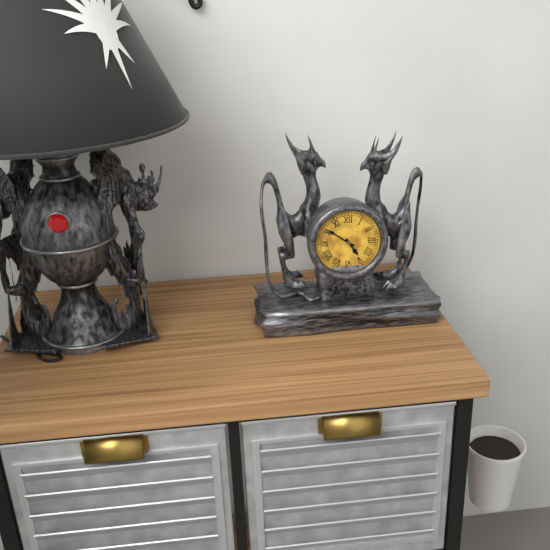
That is 4:51
